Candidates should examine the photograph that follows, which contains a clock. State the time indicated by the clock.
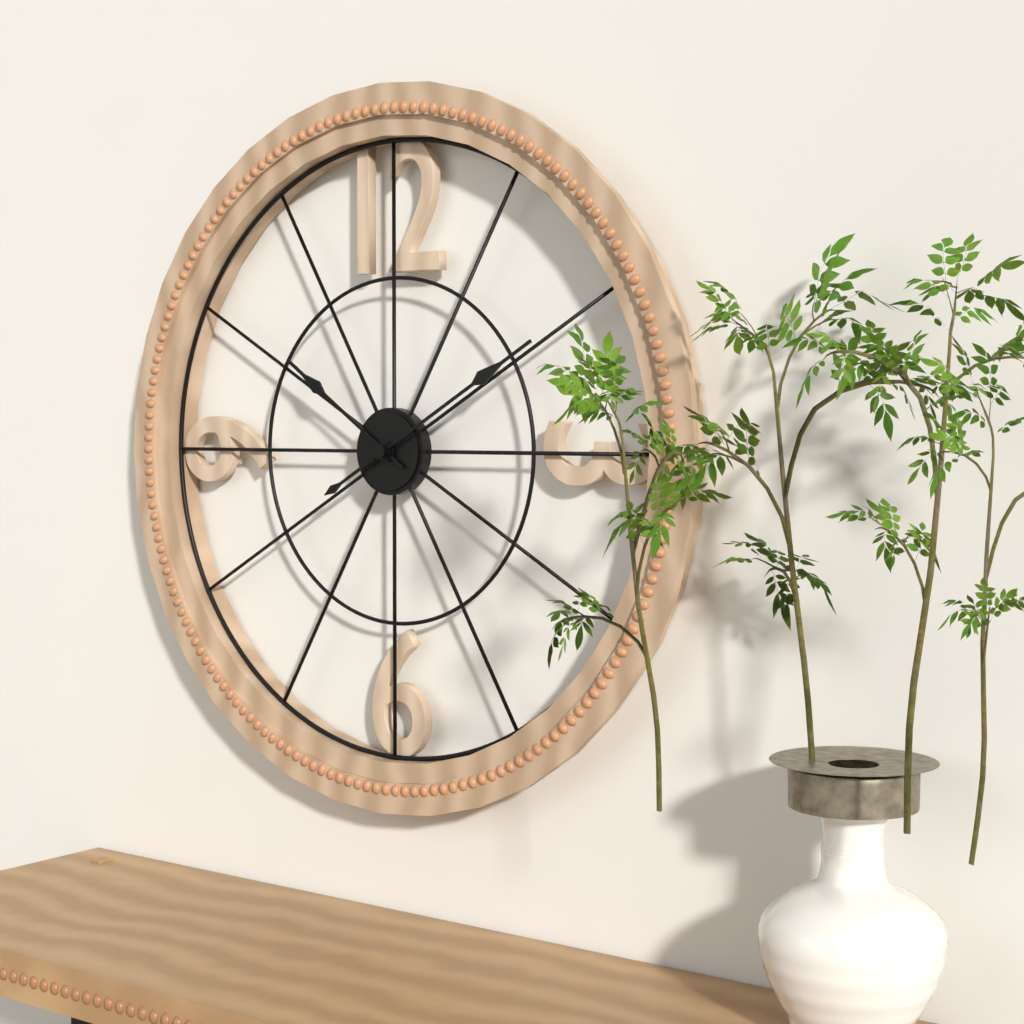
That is 10:10
